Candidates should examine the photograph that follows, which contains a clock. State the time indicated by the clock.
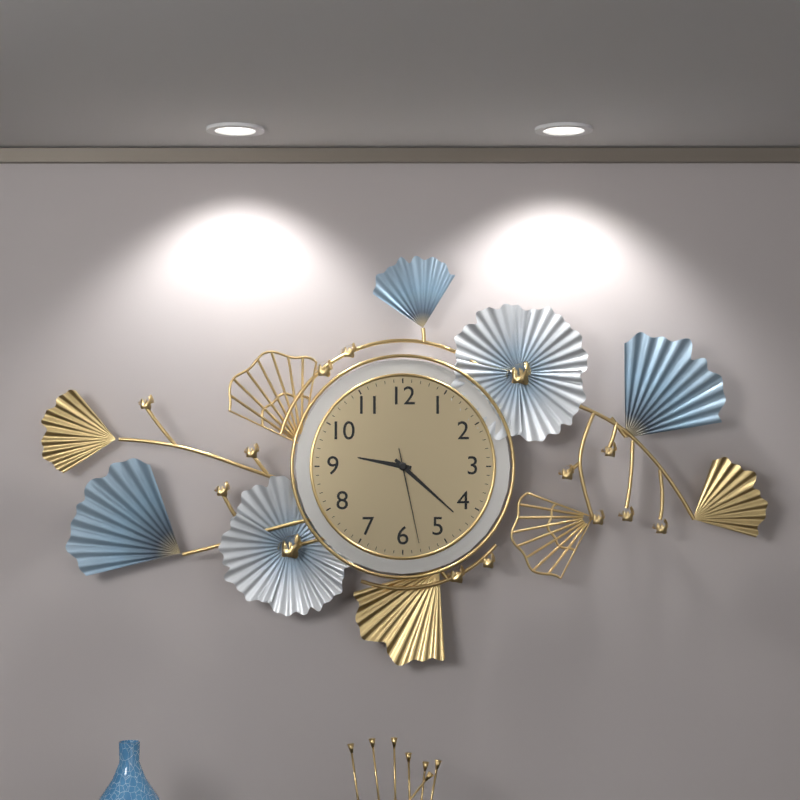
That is 9:22:28
